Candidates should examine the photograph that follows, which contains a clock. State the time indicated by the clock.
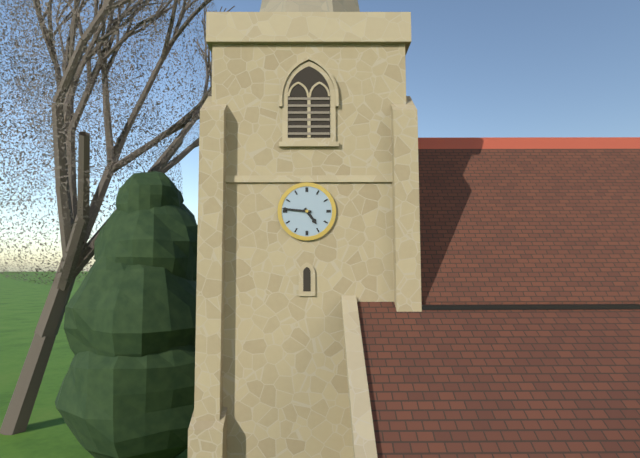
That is 4:46
